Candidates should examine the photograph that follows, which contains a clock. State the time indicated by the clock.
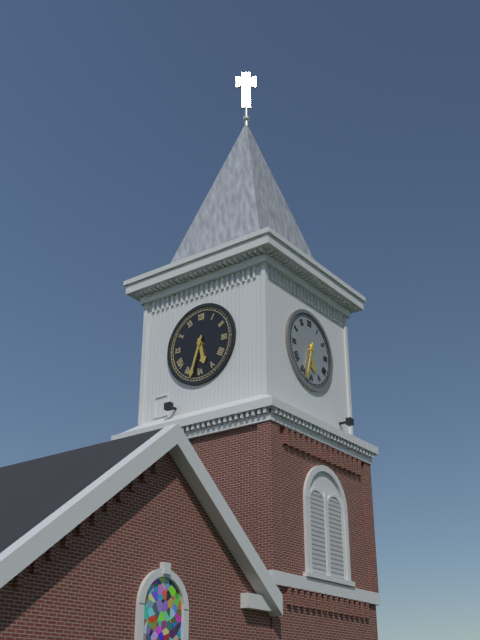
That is 5:33
